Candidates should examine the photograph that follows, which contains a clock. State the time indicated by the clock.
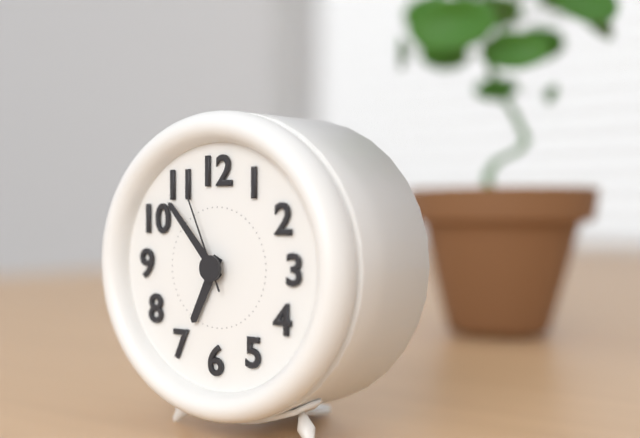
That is 6:53:56
